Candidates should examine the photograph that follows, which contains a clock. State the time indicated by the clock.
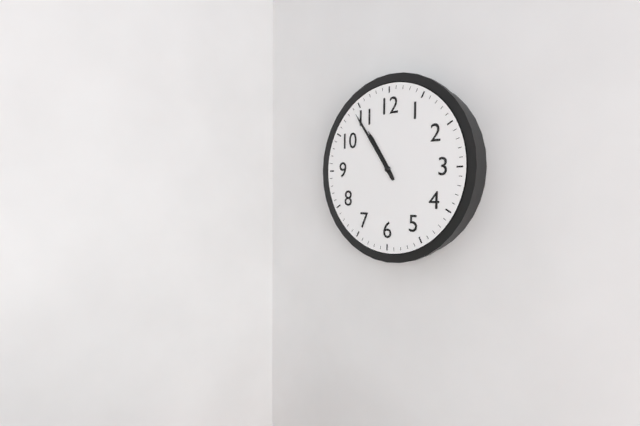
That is 10:54
